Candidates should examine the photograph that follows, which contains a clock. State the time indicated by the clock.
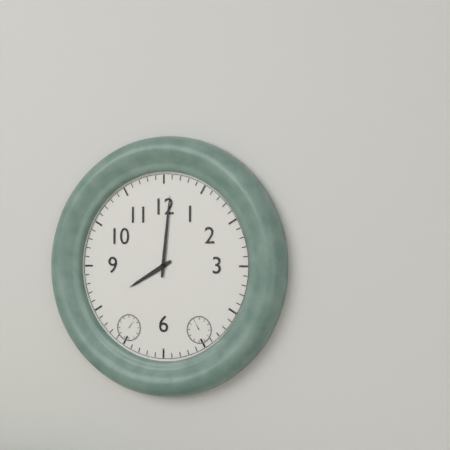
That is 8:01
